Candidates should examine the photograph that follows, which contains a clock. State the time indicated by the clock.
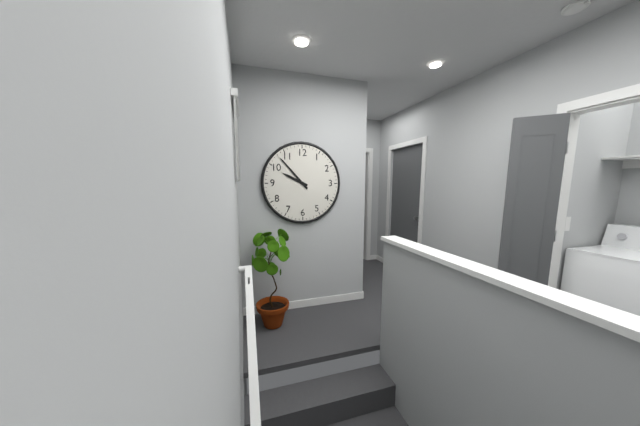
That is 9:53
